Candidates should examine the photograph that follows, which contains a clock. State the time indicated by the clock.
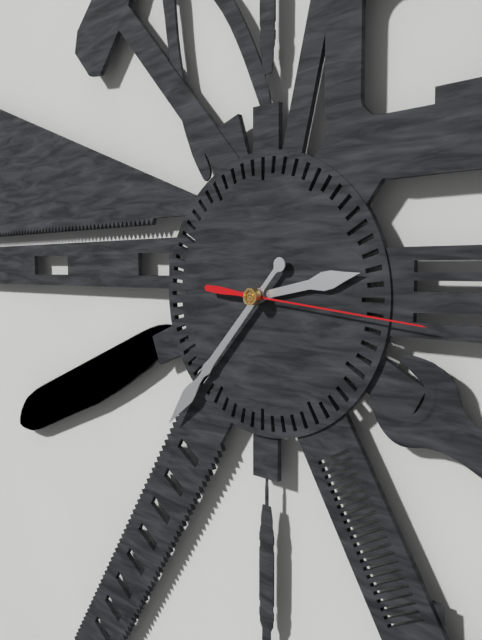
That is 2:37:16
